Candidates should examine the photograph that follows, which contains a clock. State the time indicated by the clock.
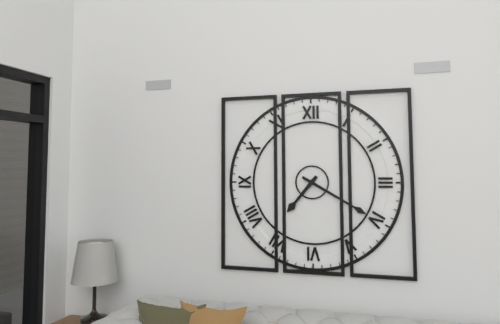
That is 7:20
